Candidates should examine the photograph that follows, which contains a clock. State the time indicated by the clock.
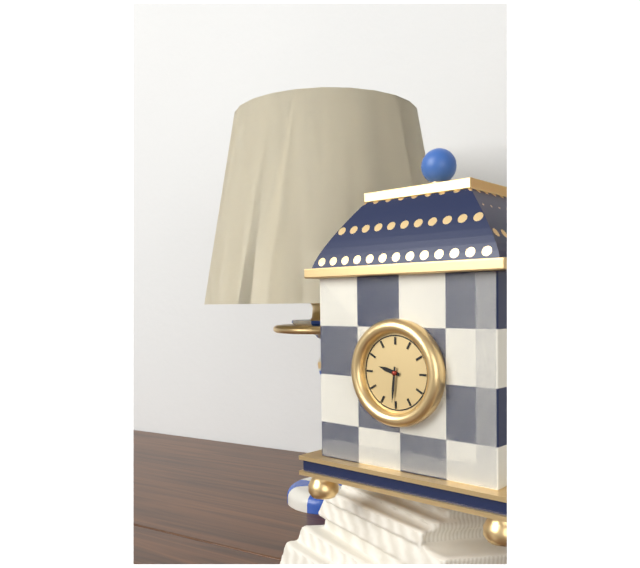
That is 9:31
